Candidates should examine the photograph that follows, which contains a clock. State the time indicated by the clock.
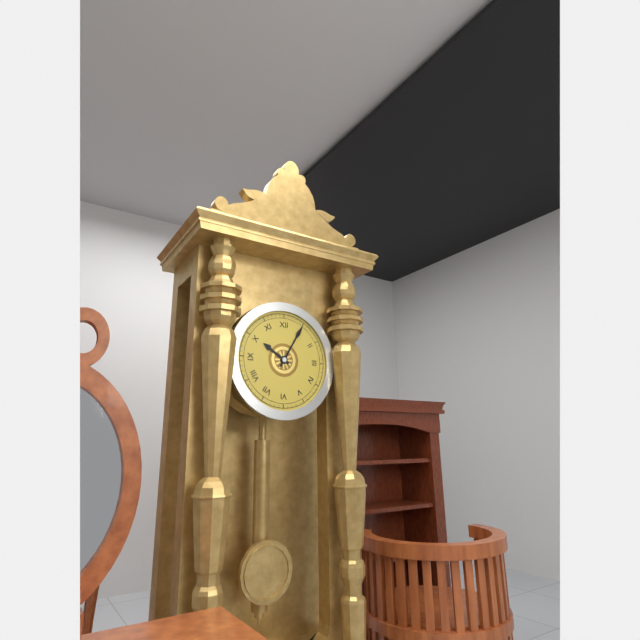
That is 10:05
